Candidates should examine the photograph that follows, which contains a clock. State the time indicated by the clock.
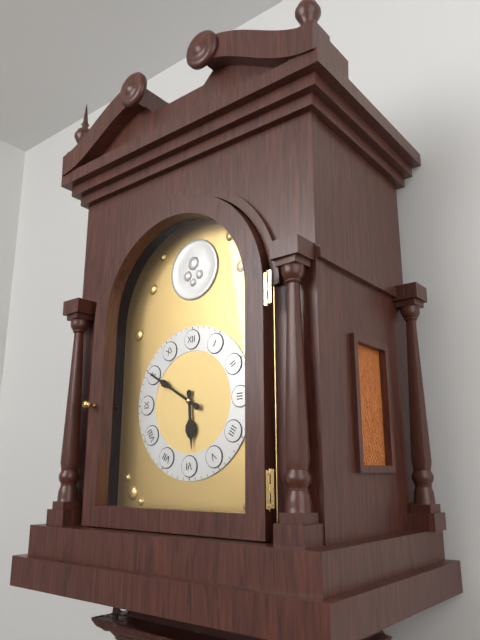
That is 5:50
